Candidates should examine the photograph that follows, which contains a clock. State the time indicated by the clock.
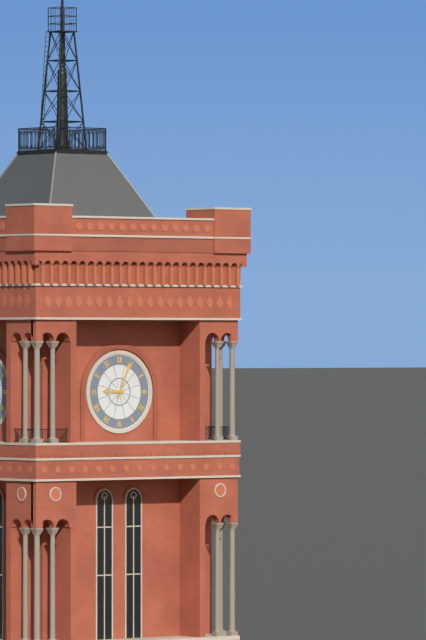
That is 9:04
